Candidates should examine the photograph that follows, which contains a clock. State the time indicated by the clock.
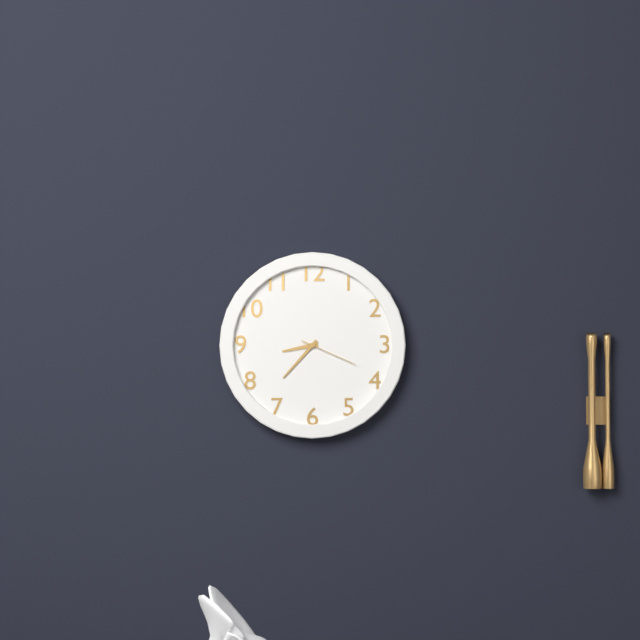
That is 8:37:19
